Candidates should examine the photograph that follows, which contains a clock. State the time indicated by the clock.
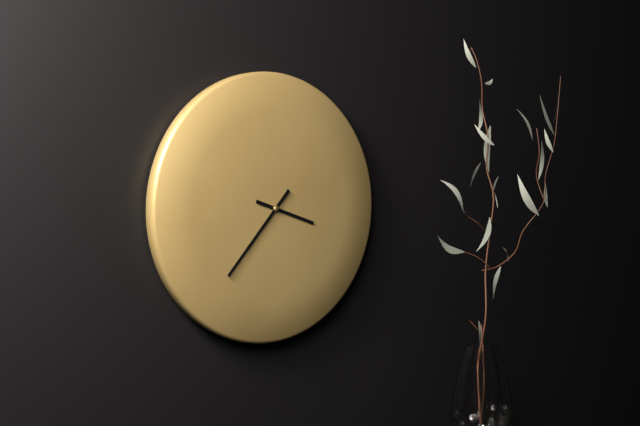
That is 3:37
